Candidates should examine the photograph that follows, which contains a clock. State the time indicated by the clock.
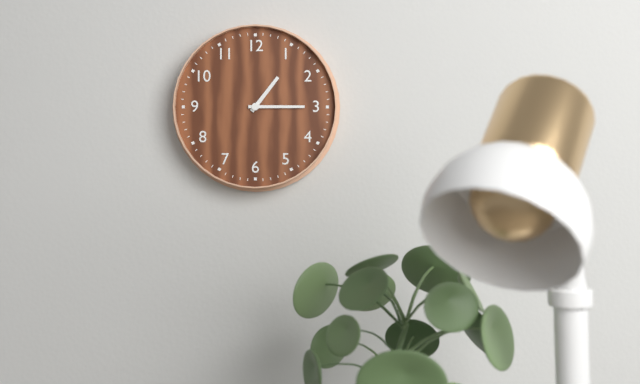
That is 1:15
